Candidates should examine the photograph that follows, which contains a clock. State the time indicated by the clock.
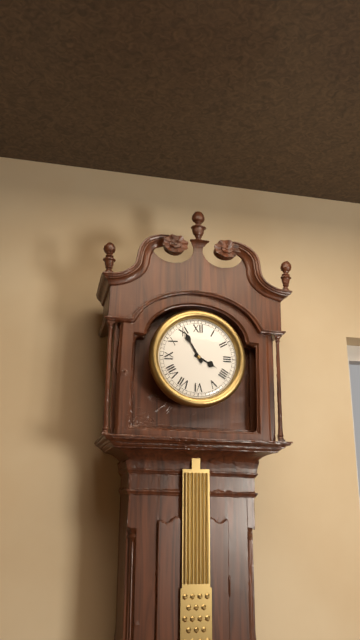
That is 3:55
